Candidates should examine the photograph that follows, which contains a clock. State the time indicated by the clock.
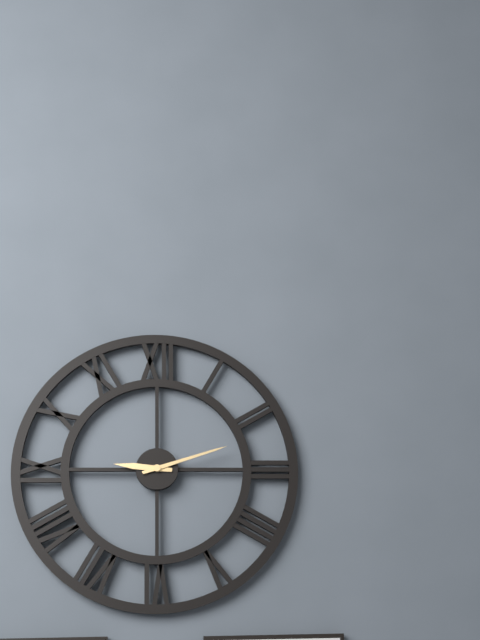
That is 9:12
